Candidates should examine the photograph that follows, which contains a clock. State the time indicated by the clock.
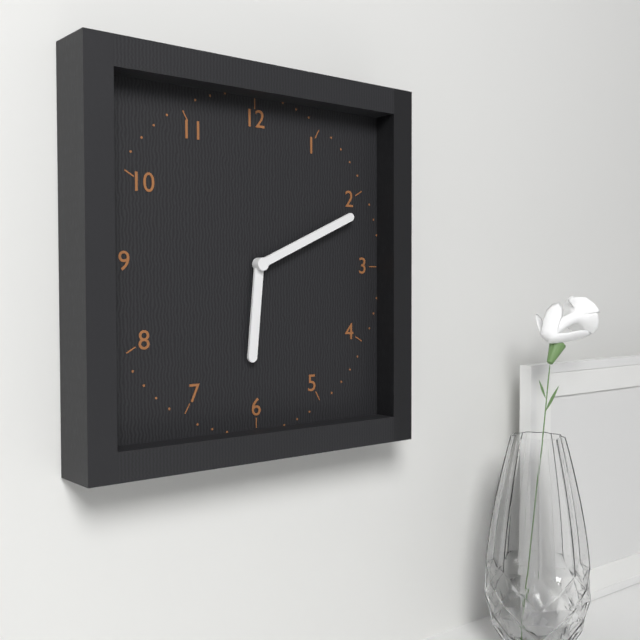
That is 6:11
